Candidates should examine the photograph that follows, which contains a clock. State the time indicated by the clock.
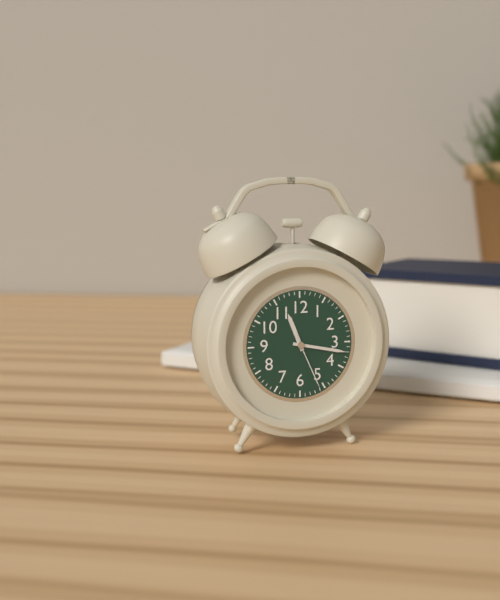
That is 11:17:26
